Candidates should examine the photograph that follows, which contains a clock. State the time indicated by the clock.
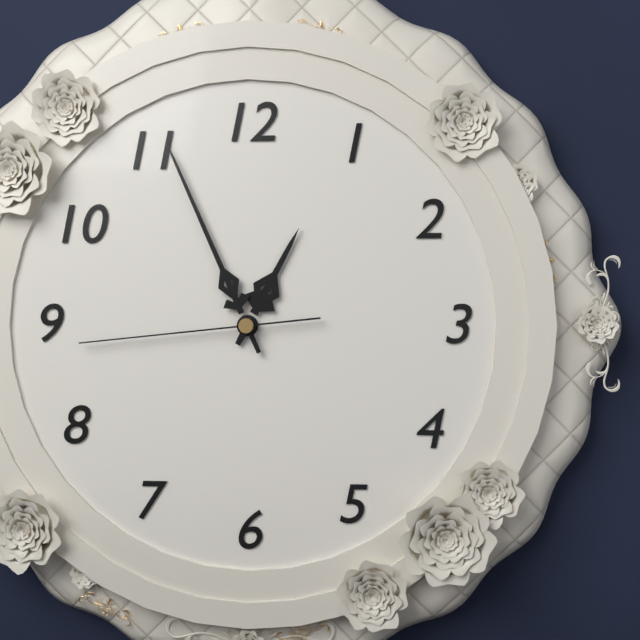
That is 12:56:44
